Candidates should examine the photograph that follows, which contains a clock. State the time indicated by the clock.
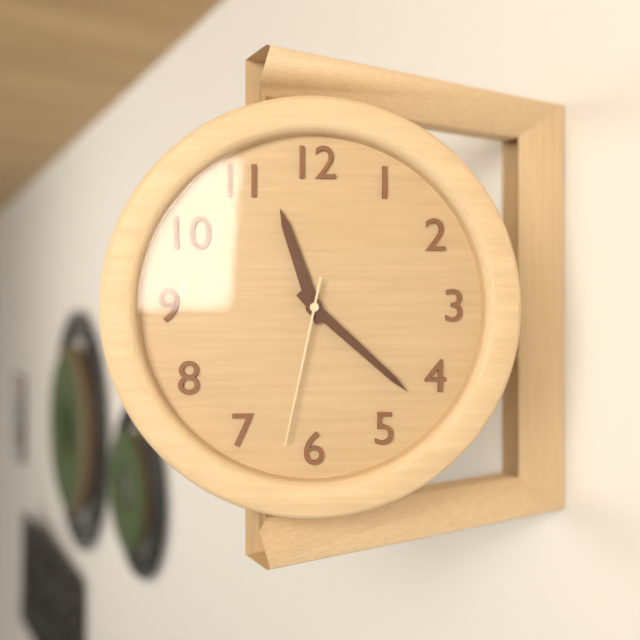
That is 11:22:32
